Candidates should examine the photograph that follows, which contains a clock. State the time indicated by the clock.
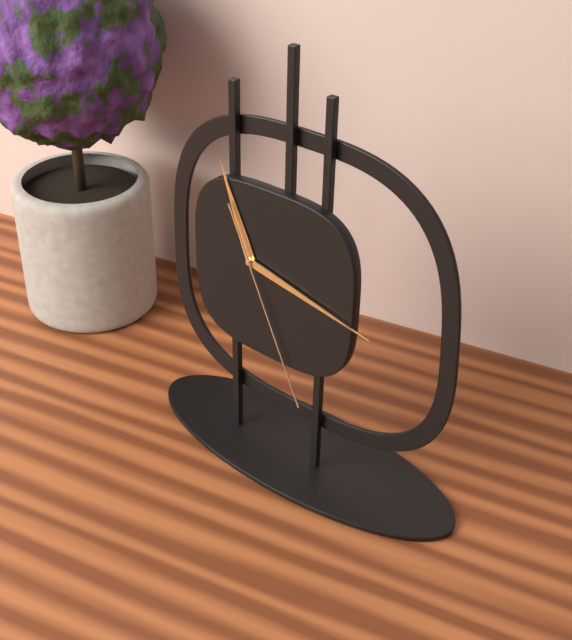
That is 11:17:26
